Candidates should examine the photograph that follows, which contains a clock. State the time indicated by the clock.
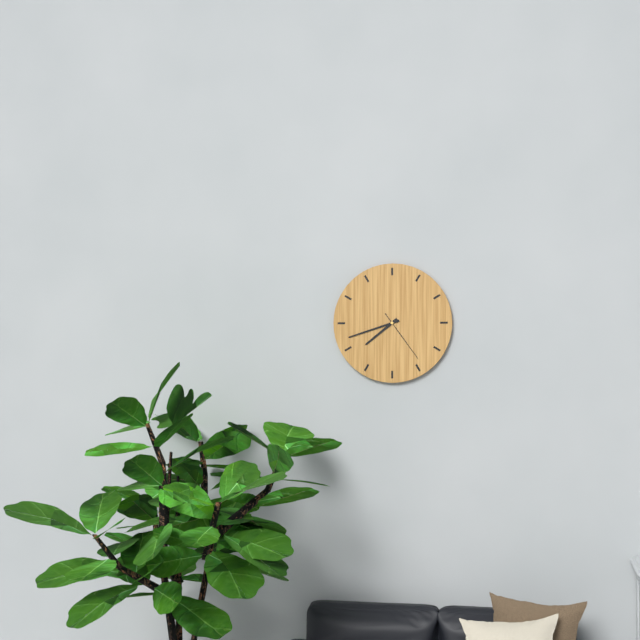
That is 7:42:24
